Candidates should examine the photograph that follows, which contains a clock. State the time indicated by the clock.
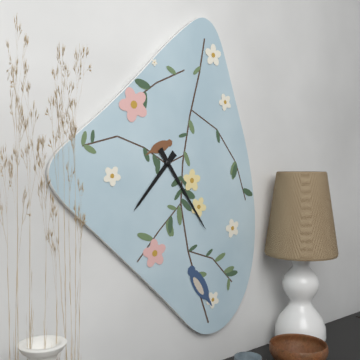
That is 7:24
